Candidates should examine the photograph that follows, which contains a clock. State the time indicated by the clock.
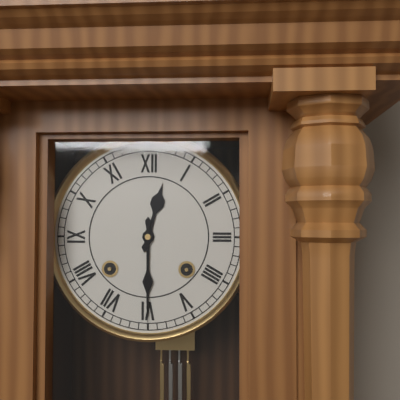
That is 12:30
